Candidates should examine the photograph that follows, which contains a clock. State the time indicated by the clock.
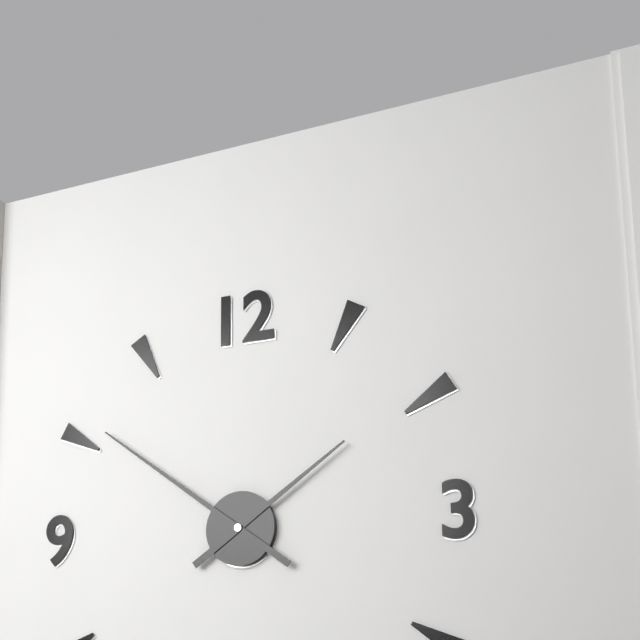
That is 1:51
